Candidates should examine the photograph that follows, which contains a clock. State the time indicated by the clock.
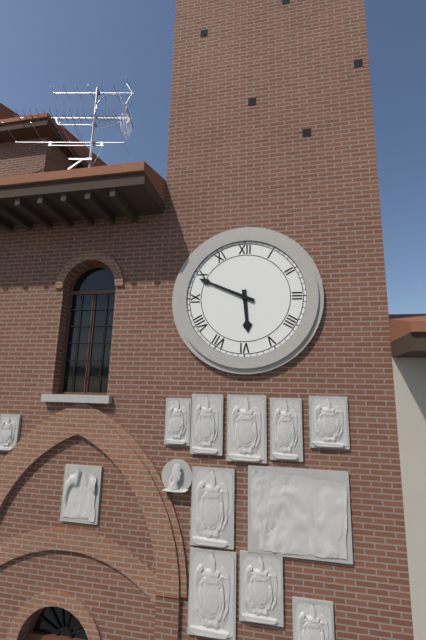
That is 5:49
